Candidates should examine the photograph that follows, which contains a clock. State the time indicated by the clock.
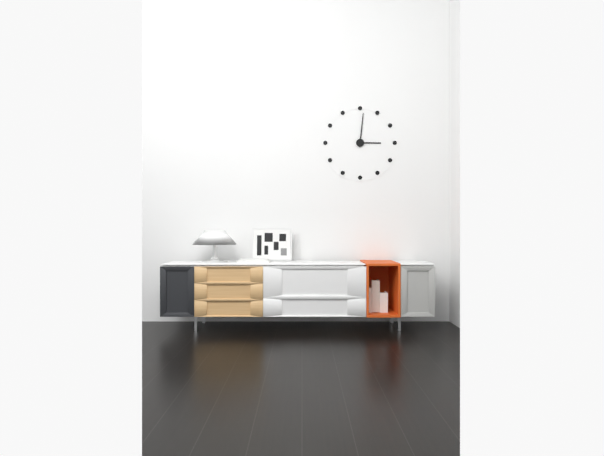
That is 3:01
